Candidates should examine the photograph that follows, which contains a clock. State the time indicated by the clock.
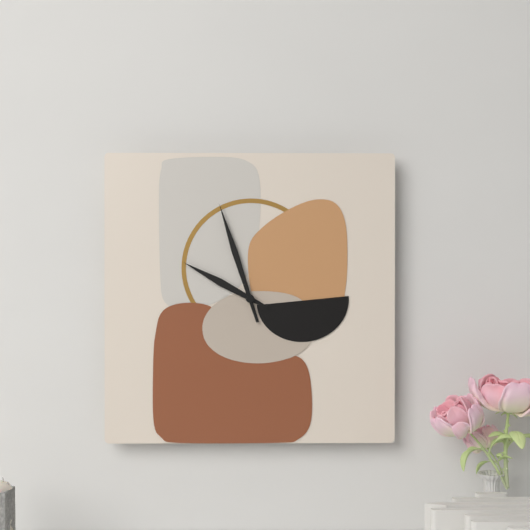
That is 9:57
